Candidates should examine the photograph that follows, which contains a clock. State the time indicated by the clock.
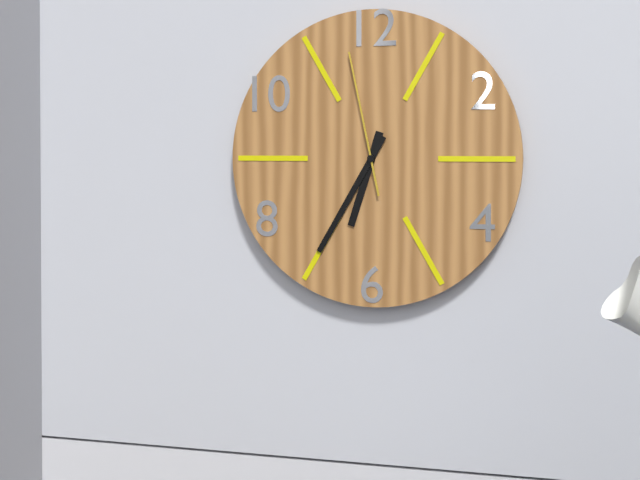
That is 6:35:58
